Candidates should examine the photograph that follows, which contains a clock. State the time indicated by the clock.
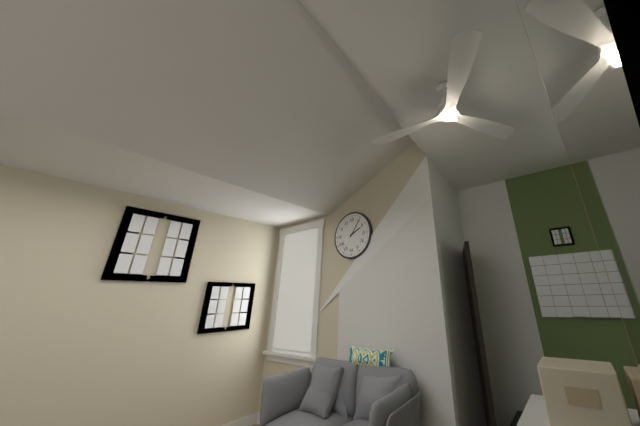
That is 2:06
